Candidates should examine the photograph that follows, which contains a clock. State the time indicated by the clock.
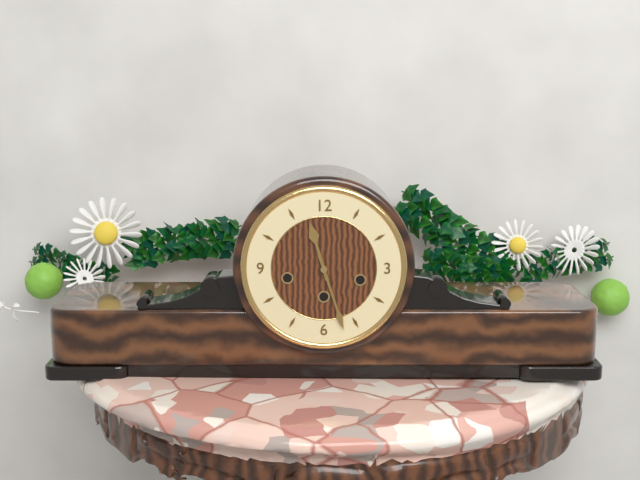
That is 11:27
